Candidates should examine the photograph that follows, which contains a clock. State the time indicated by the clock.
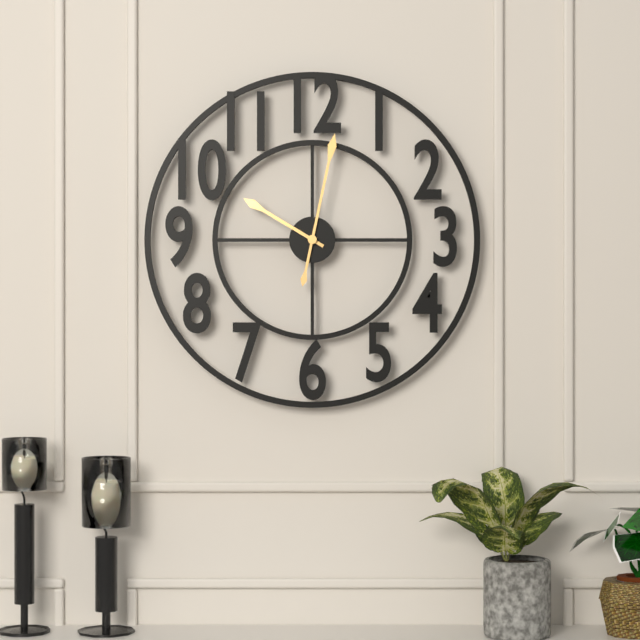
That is 10:02
